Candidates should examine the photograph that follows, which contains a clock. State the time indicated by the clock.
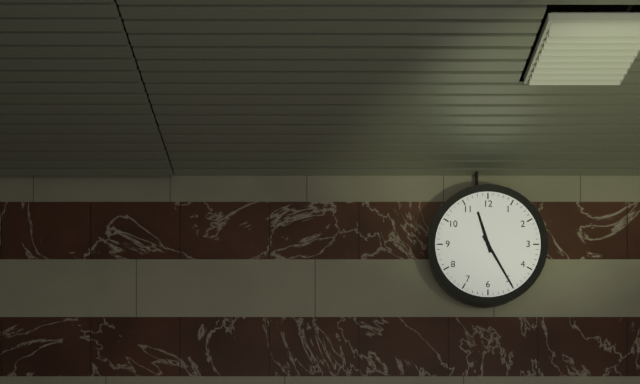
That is 11:25
